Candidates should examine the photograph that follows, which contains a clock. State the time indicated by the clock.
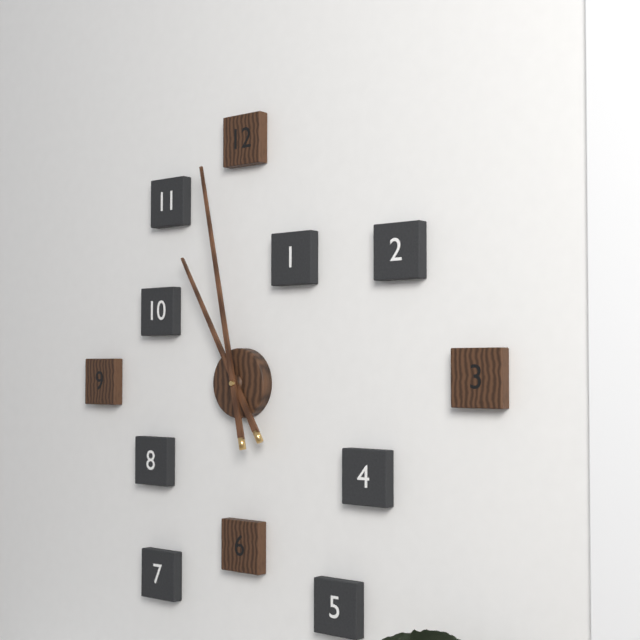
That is 10:58
